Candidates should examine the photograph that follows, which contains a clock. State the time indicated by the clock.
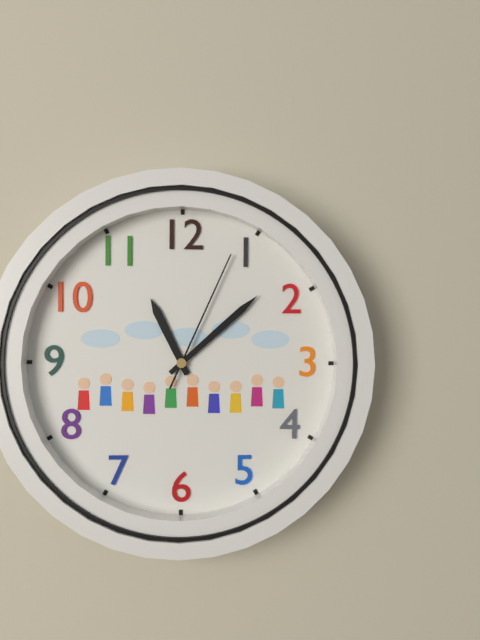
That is 11:08:04
